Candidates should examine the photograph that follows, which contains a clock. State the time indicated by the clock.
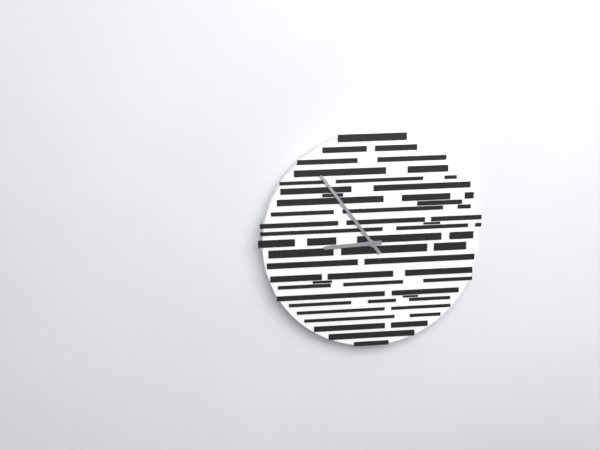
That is 8:54
